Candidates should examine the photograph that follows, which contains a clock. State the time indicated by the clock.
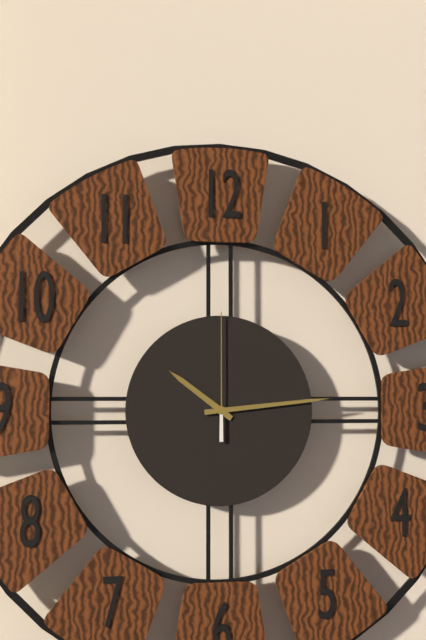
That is 10:14:00
